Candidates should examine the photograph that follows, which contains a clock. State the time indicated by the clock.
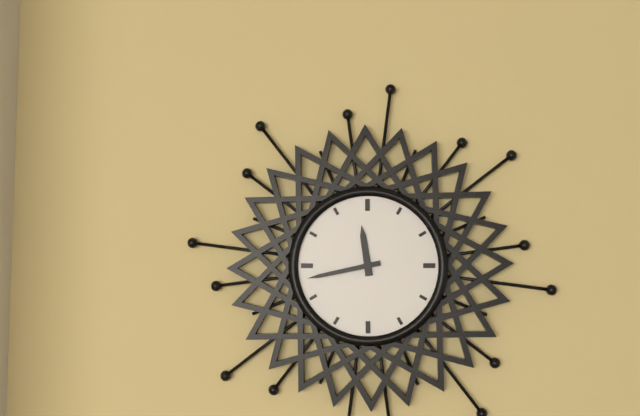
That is 11:43
